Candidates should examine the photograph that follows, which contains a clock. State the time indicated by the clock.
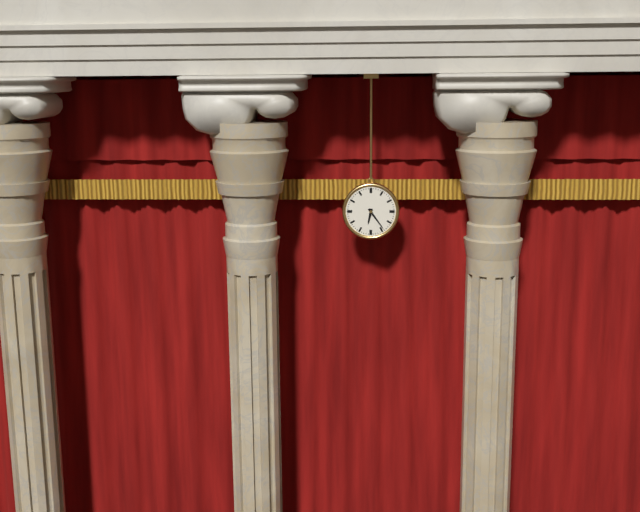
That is 6:24
